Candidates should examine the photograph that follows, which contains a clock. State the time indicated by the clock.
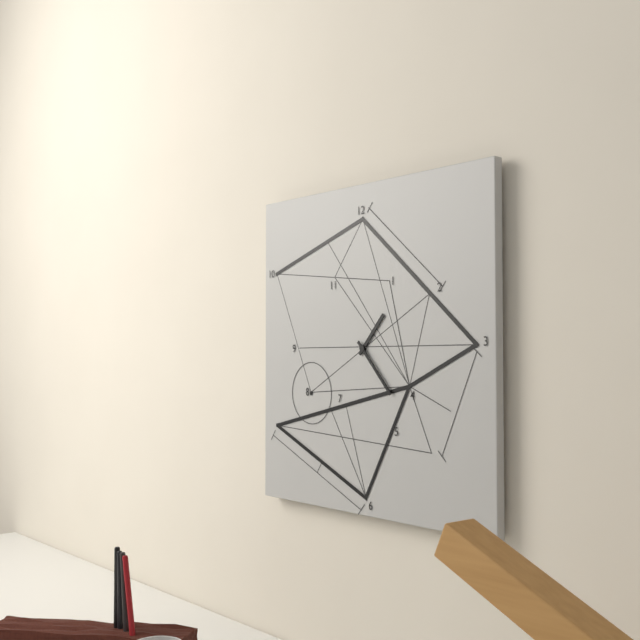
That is 1:23
